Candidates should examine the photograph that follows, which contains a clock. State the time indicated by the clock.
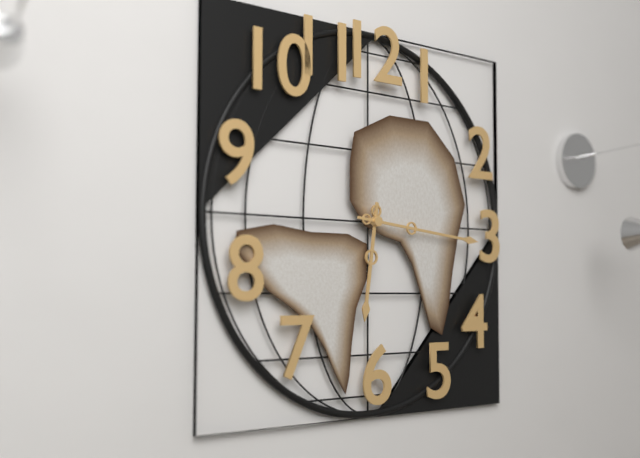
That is 6:16
